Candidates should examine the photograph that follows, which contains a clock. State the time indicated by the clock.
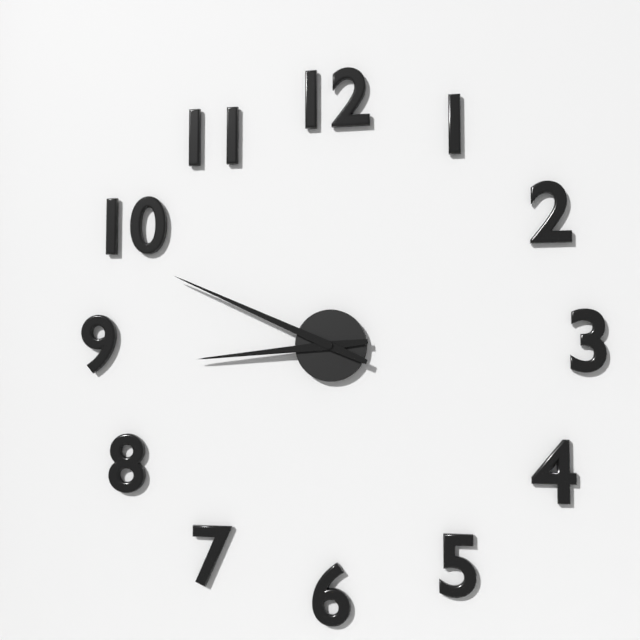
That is 8:49
